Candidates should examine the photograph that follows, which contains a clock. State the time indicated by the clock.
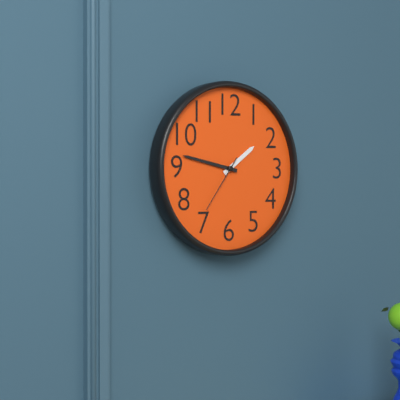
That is 1:47:36
